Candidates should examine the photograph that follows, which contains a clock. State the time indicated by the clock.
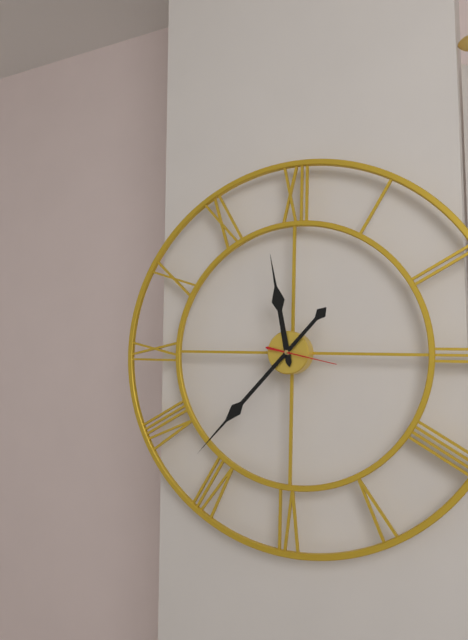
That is 11:37:17
